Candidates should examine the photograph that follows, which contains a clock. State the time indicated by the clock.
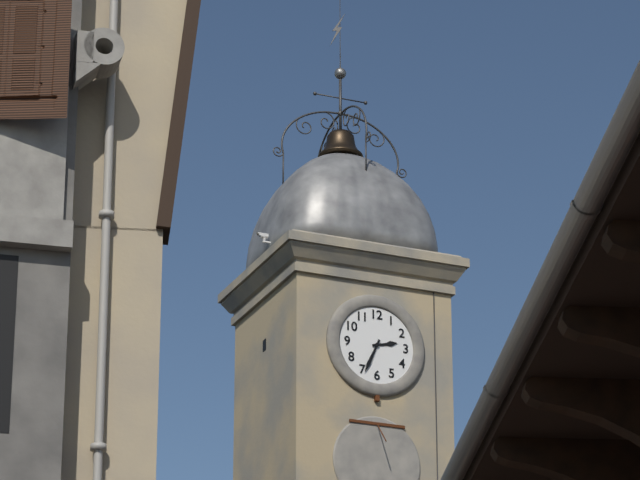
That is 2:34
